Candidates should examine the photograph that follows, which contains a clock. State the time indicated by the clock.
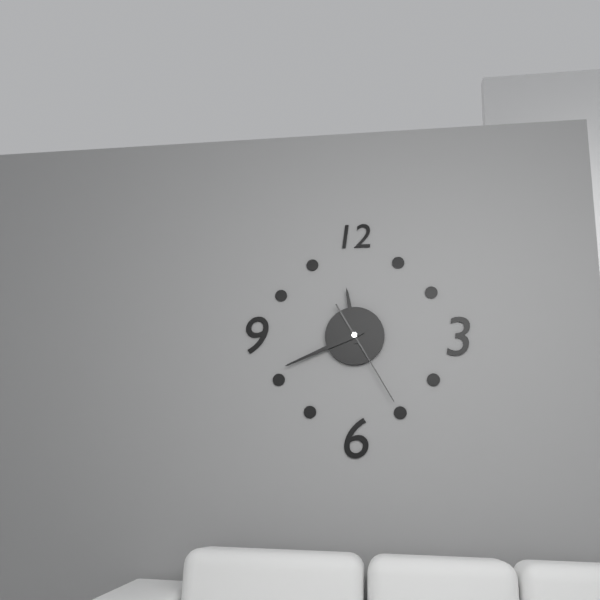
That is 11:41:25
